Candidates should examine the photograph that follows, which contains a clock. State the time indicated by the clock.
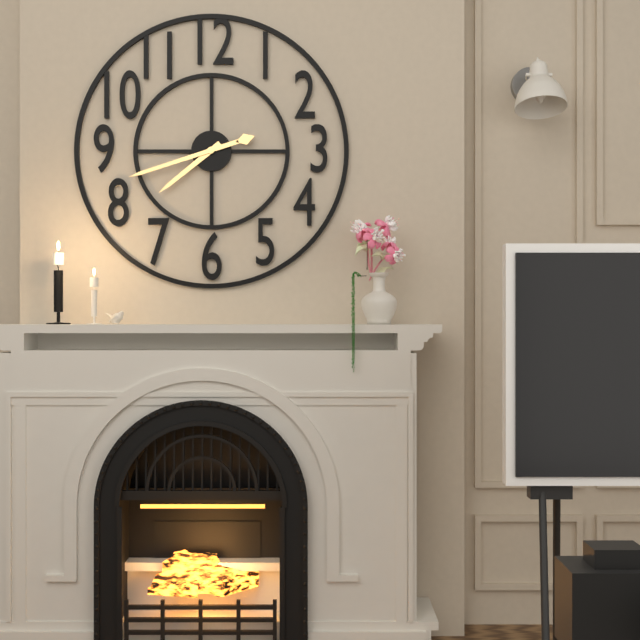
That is 7:42
